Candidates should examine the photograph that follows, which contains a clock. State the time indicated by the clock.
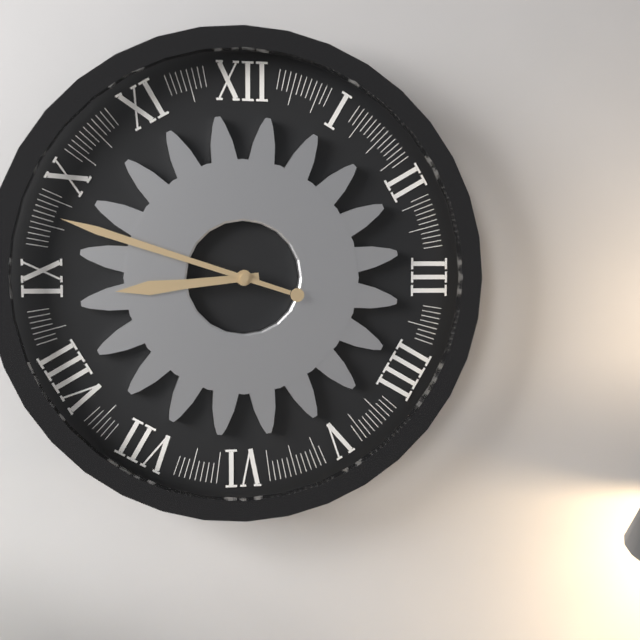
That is 8:48
